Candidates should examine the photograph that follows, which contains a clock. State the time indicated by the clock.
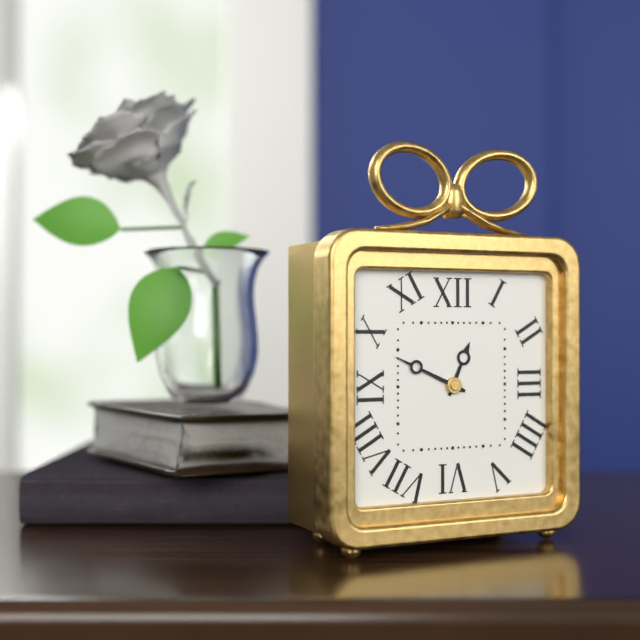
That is 12:49
